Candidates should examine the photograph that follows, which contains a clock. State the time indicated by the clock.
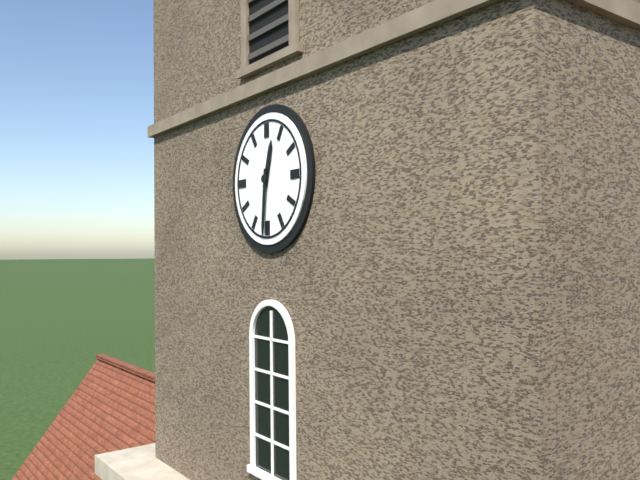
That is 12:31
